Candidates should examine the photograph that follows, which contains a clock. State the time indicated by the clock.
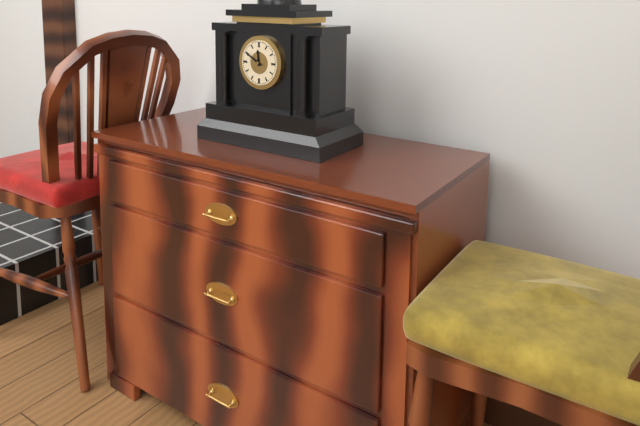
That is 11:50
